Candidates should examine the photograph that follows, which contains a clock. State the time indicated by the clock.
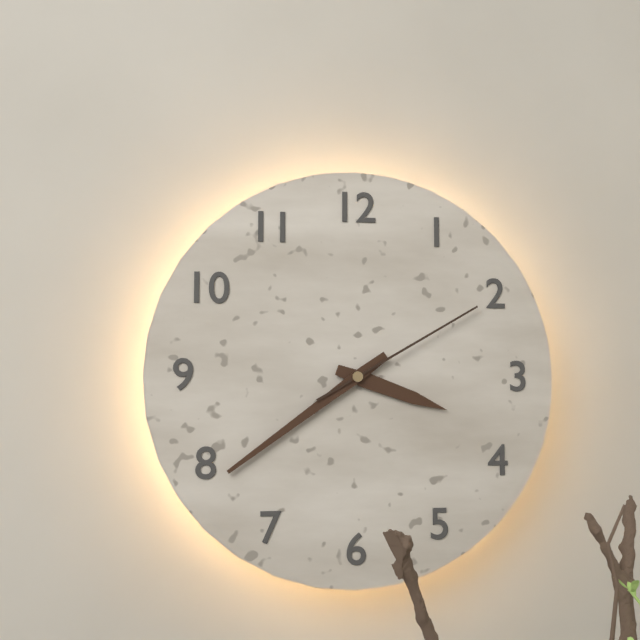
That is 3:39:10
